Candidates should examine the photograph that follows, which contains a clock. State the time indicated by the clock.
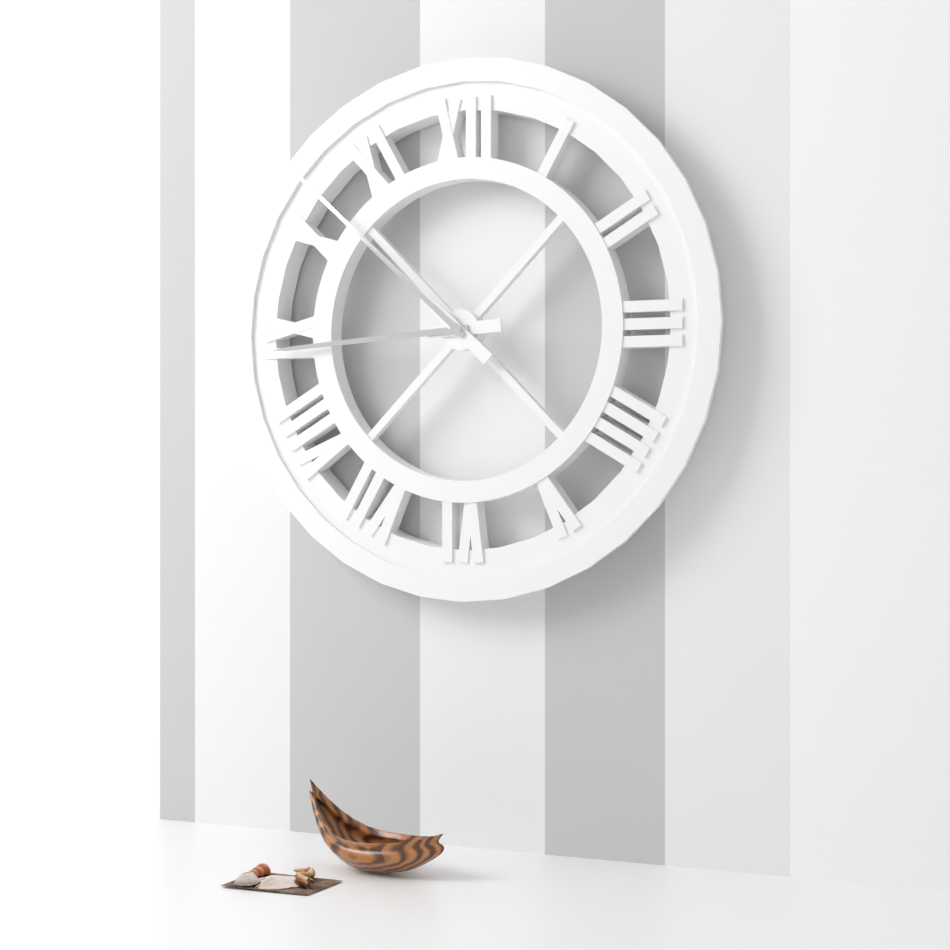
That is 8:52
